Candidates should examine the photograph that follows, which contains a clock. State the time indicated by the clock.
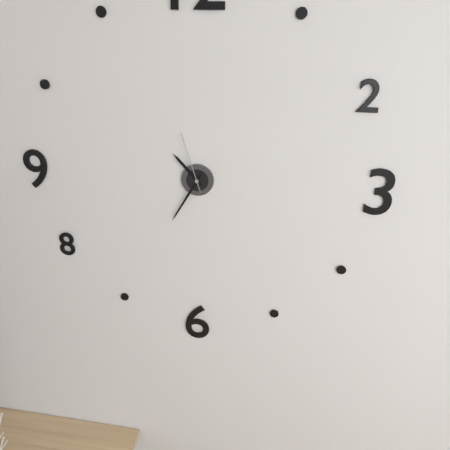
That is 10:35:57
